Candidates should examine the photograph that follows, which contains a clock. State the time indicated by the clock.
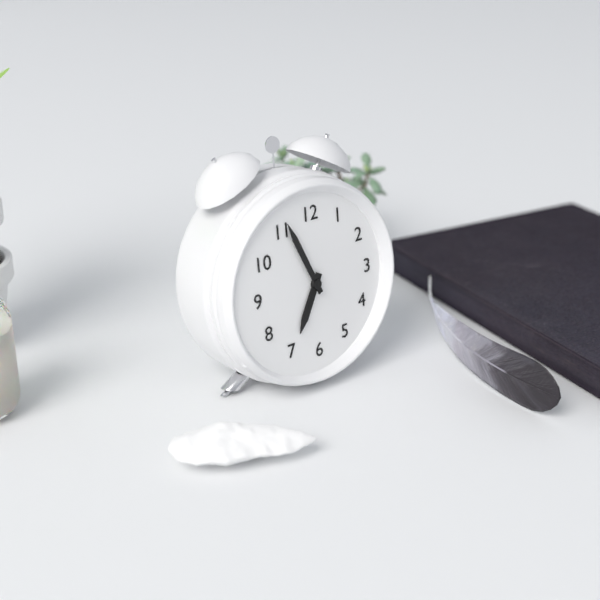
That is 6:56
